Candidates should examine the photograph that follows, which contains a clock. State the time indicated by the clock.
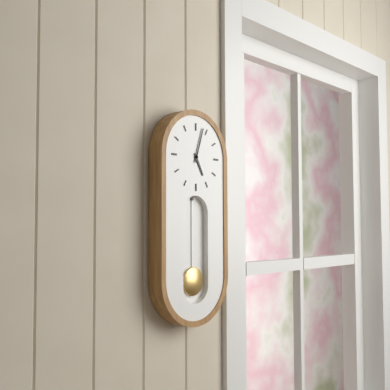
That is 5:03
